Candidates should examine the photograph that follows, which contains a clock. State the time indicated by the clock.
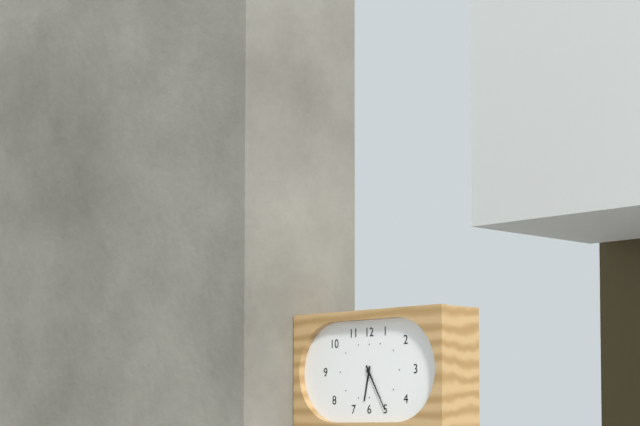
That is 6:25
